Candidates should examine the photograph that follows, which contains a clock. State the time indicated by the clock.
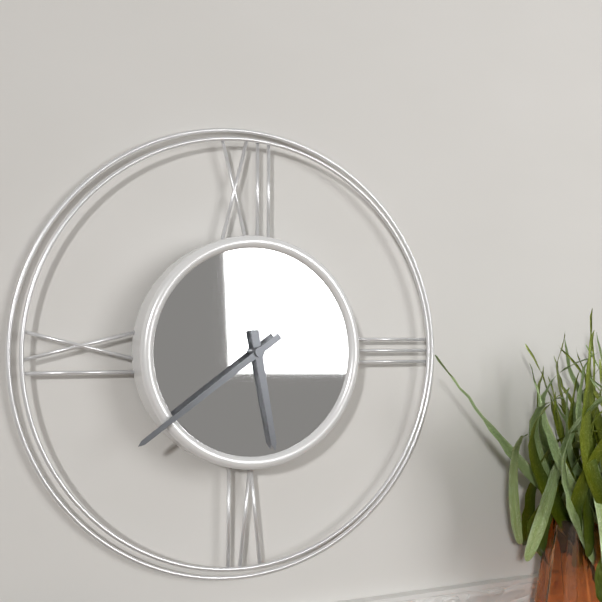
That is 5:39
